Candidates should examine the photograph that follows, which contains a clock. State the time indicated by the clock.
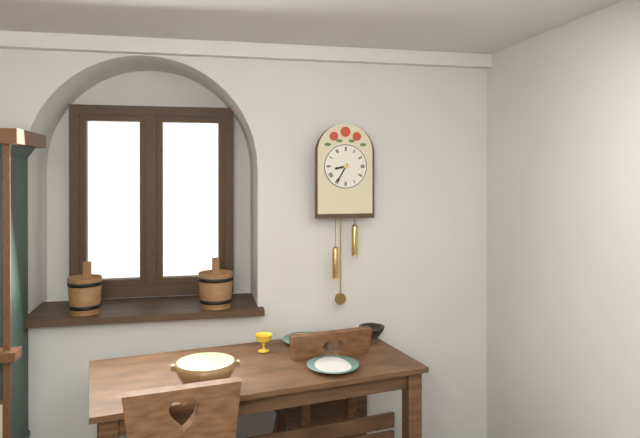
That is 8:35
